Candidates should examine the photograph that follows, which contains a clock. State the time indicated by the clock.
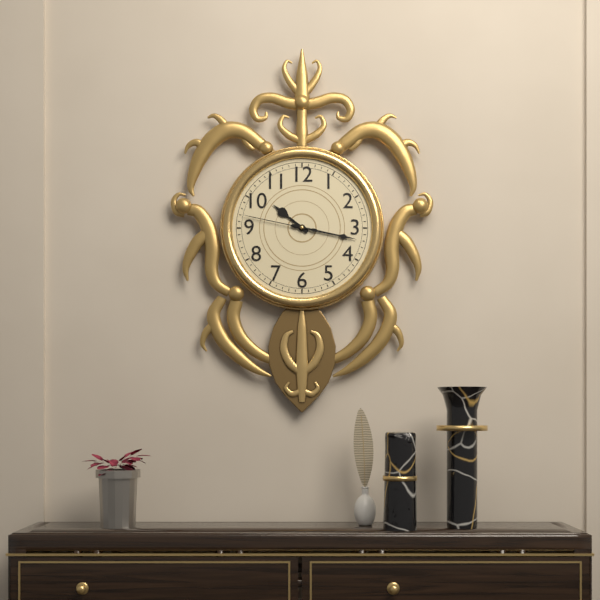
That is 10:17:47
